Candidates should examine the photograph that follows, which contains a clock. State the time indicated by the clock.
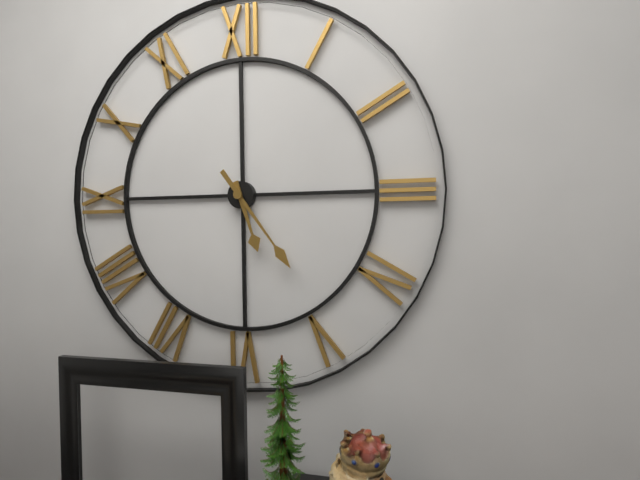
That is 5:24
